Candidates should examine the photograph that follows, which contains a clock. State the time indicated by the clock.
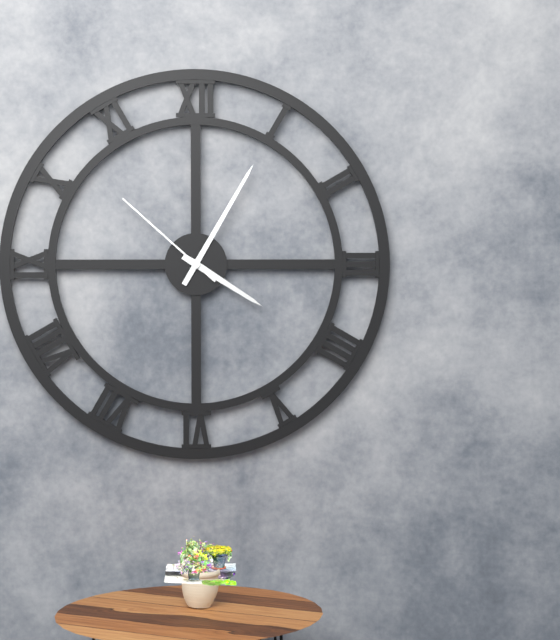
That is 4:05:52
